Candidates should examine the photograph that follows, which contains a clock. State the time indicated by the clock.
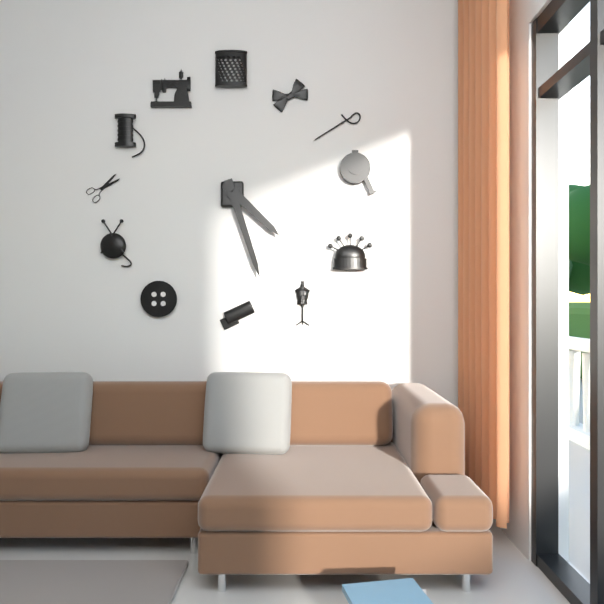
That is 4:27
